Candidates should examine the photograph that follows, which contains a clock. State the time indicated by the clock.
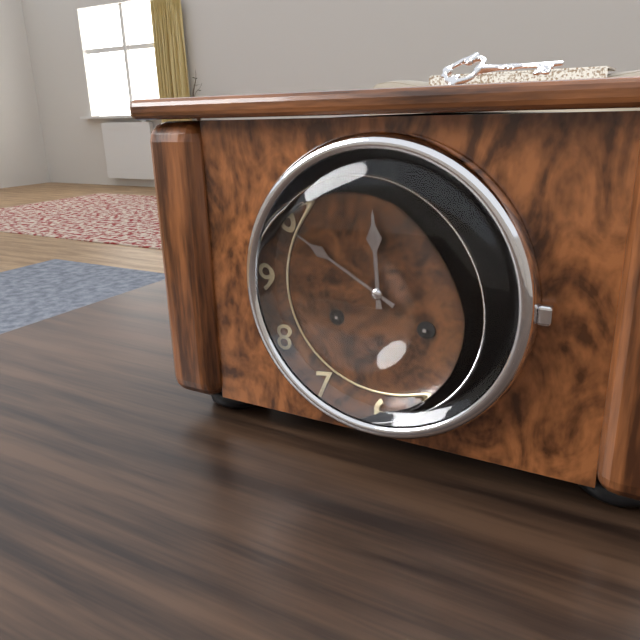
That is 11:50
